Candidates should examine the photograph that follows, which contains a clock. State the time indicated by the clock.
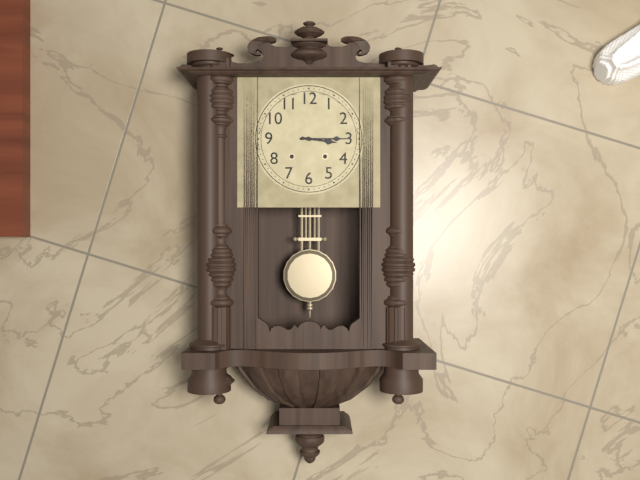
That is 3:15
